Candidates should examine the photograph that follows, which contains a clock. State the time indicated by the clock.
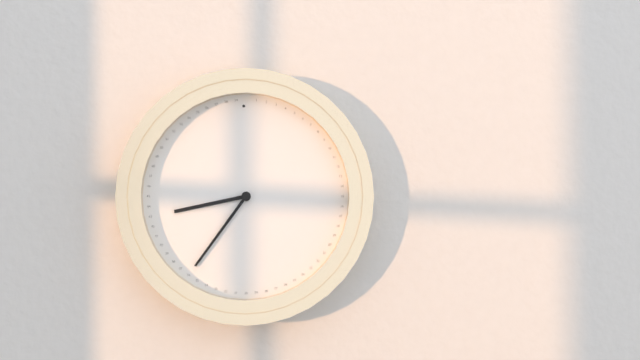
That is 8:36
